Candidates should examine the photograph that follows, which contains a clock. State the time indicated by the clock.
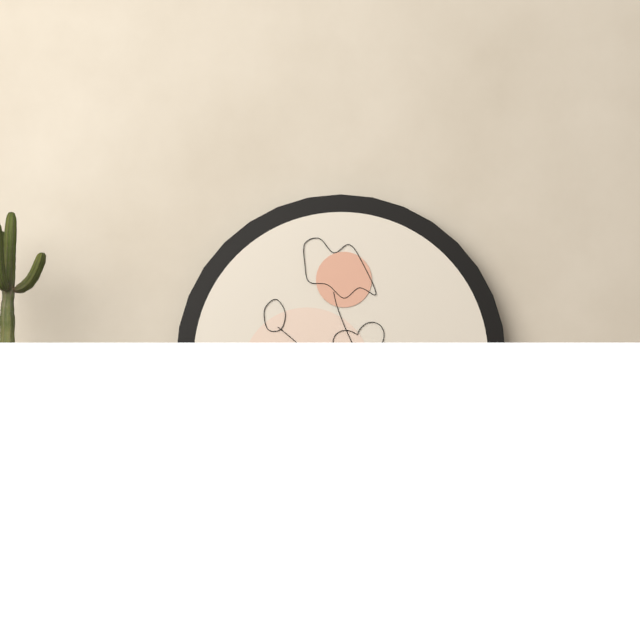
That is 3:18
